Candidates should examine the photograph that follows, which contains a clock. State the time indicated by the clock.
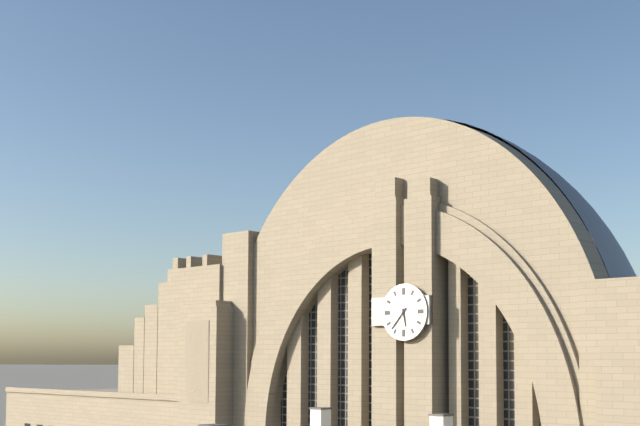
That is 5:37
